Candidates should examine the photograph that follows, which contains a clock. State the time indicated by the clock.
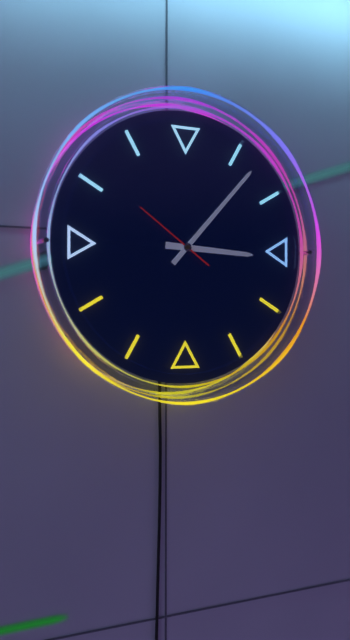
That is 3:07:51
